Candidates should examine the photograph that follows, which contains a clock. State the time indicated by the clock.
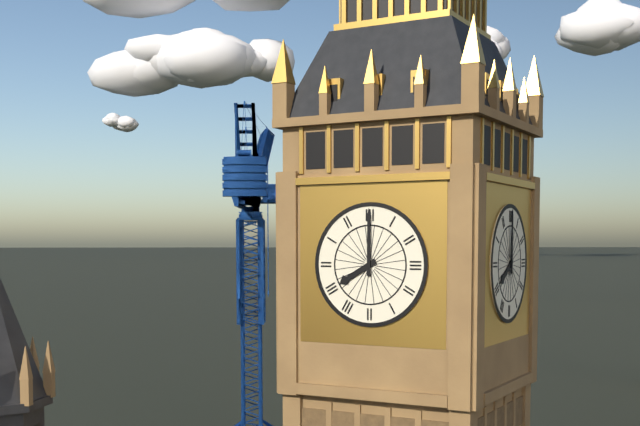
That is 8:00
